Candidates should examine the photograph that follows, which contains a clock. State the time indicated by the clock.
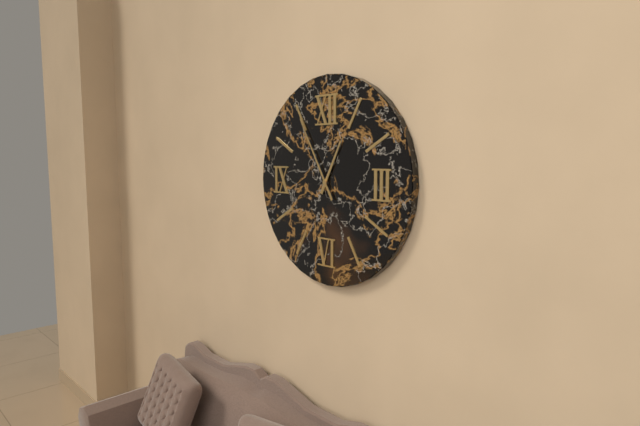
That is 12:55
